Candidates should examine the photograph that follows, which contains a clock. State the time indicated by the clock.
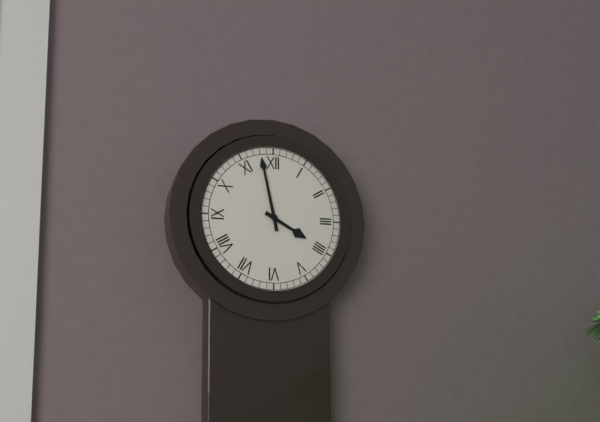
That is 3:58
